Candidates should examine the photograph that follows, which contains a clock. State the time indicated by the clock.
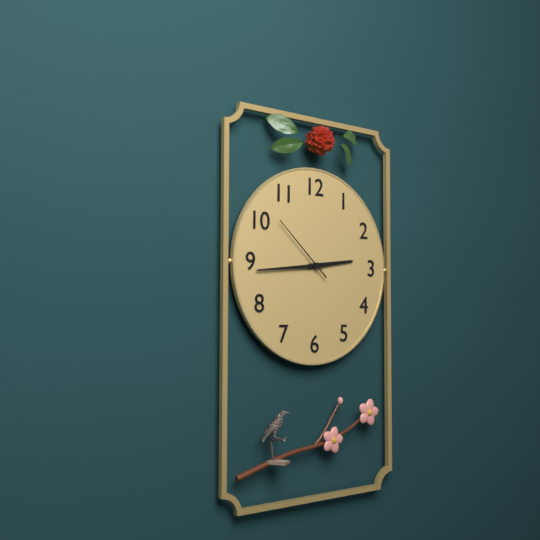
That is 2:44:52
